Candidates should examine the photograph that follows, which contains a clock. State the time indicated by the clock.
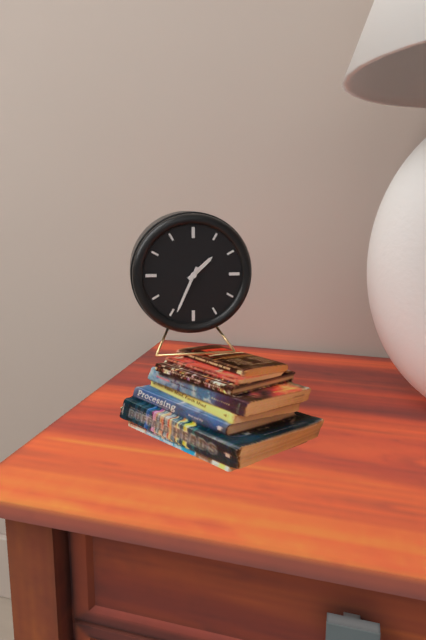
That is 1:34
